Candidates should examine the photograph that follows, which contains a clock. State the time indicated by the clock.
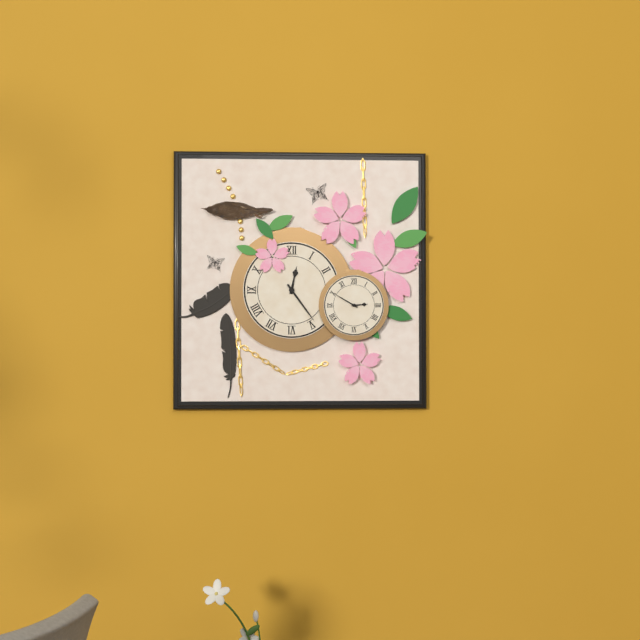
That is 12:24
